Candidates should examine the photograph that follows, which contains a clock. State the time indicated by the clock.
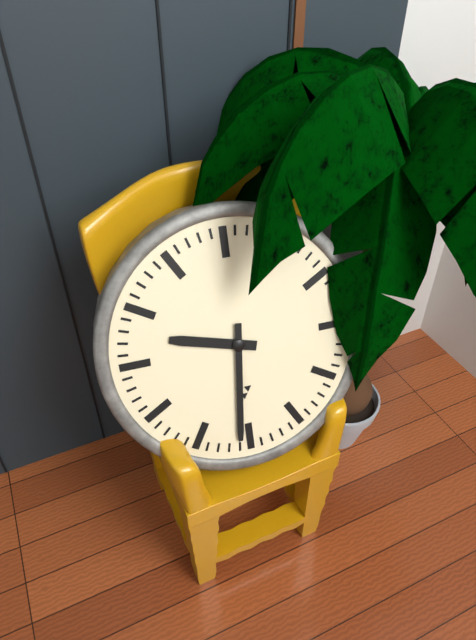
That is 9:31
